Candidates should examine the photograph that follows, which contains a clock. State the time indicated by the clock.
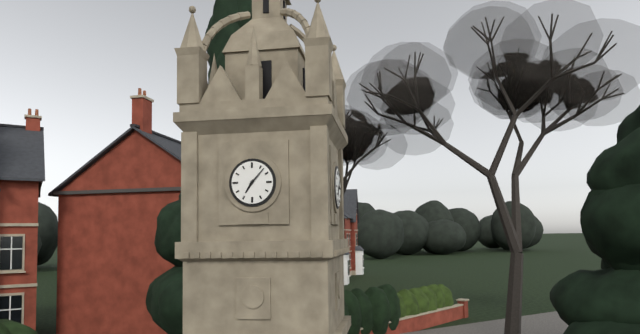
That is 7:07
